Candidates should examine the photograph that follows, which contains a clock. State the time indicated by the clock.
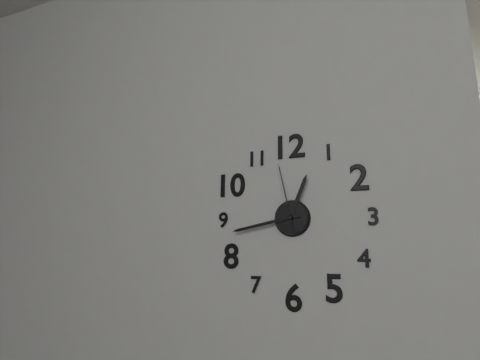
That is 12:43:58
